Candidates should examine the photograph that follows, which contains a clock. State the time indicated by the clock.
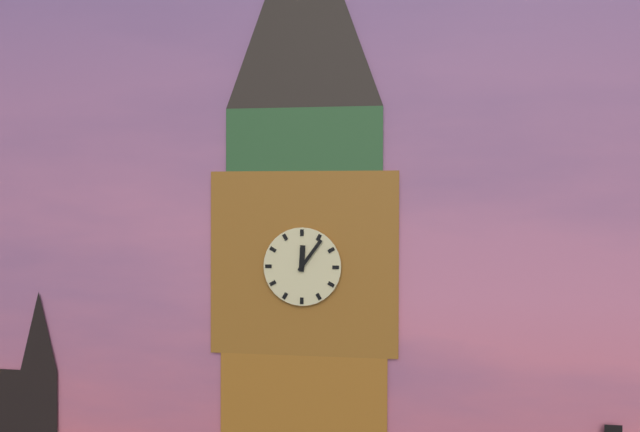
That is 12:06
